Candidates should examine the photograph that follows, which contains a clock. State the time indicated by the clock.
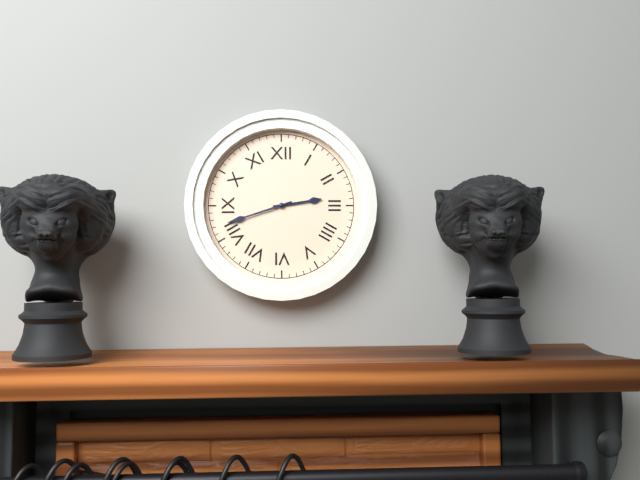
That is 2:42
